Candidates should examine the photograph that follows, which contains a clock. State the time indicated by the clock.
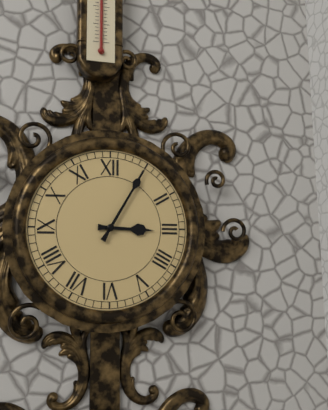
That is 3:05
